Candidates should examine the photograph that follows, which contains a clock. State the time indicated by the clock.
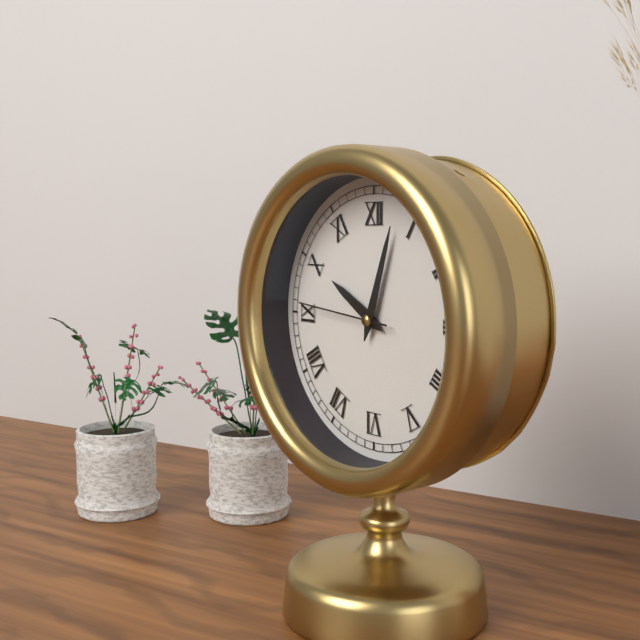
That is 10:03:46
